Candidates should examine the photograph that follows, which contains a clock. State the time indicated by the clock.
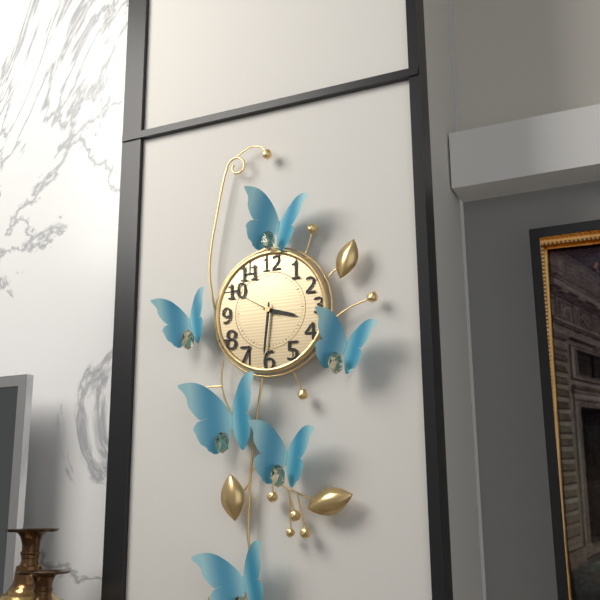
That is 3:31:50
